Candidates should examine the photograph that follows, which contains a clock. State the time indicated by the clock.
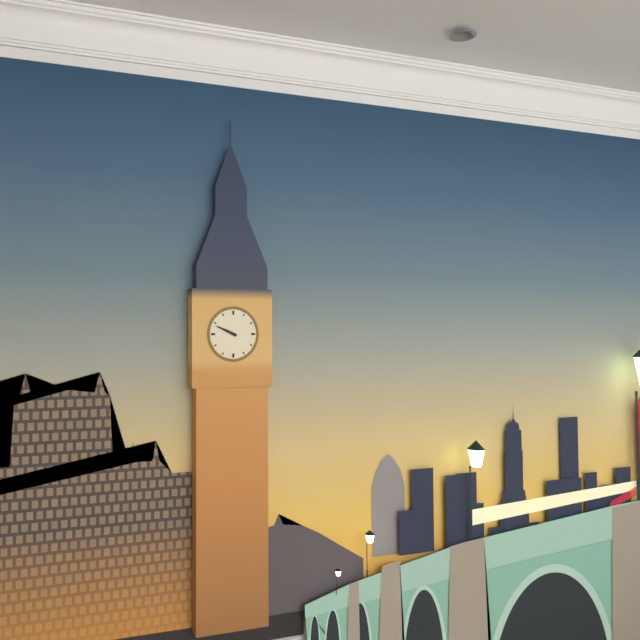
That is 9:49
